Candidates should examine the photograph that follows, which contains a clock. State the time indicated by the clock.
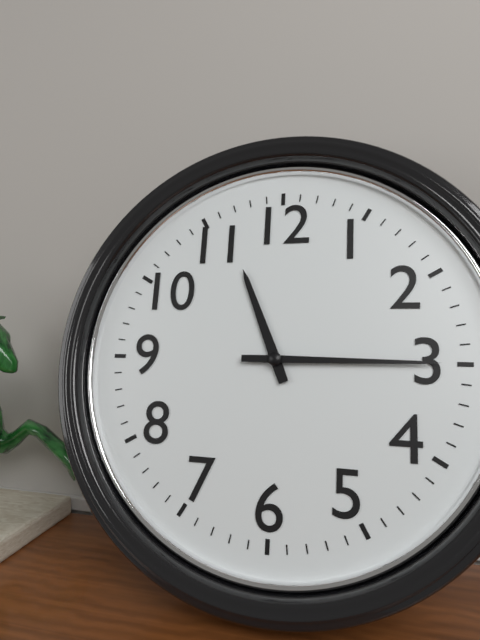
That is 11:15
